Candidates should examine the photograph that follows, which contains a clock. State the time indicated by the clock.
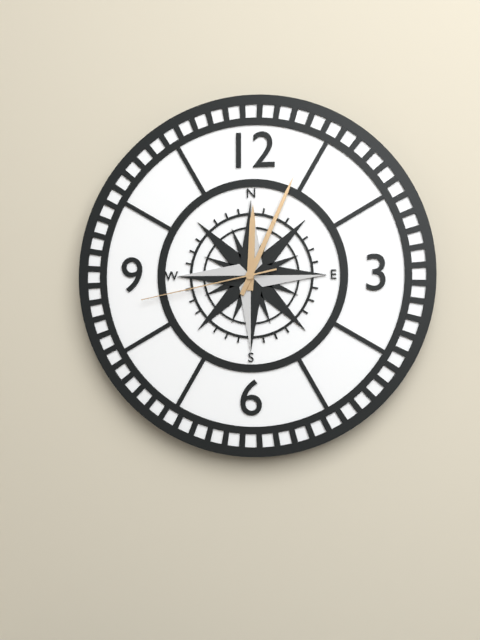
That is 12:04:43
